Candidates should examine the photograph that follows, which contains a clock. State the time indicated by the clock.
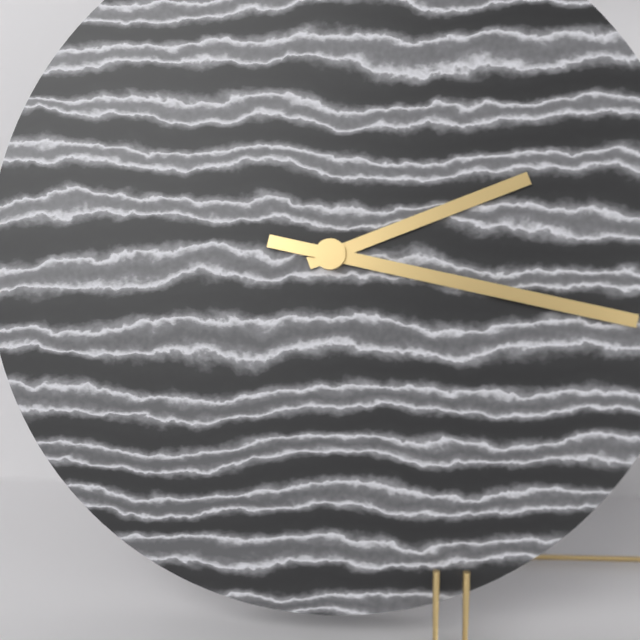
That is 2:17
